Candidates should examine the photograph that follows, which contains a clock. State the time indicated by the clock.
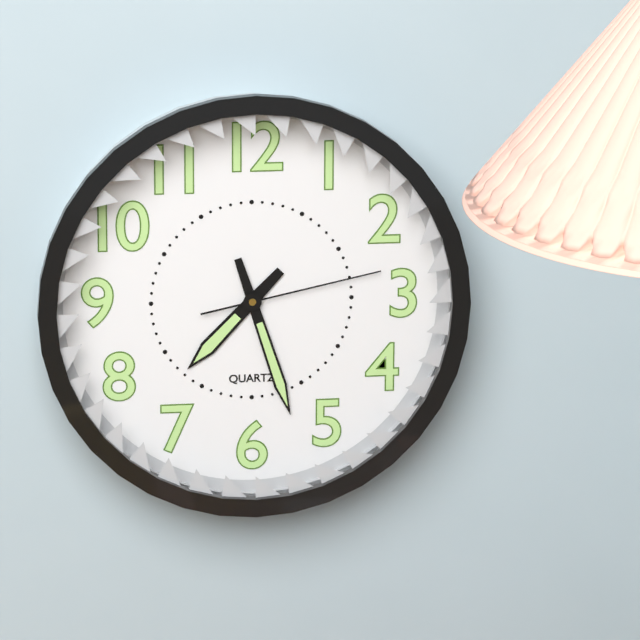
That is 7:27:13
